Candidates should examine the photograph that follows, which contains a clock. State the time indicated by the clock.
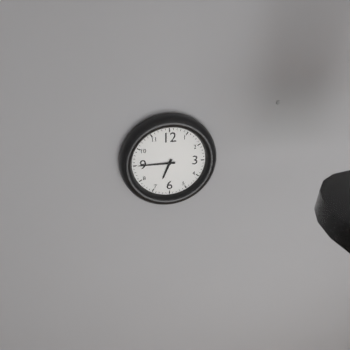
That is 6:45
